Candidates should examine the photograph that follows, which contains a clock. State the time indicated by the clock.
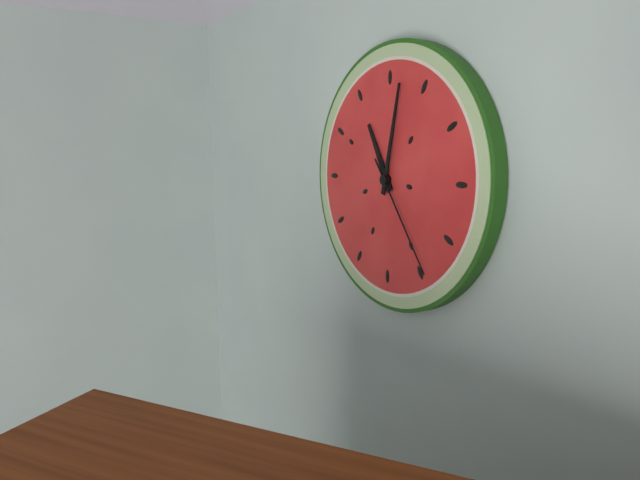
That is 11:02:24
